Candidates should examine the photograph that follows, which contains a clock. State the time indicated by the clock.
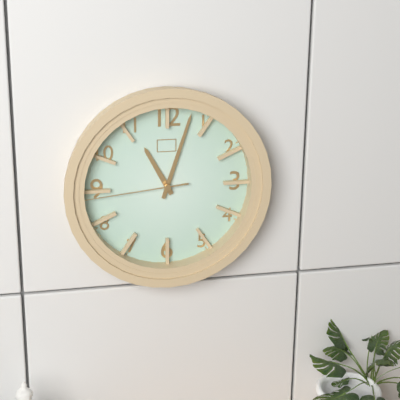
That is 11:03:44
